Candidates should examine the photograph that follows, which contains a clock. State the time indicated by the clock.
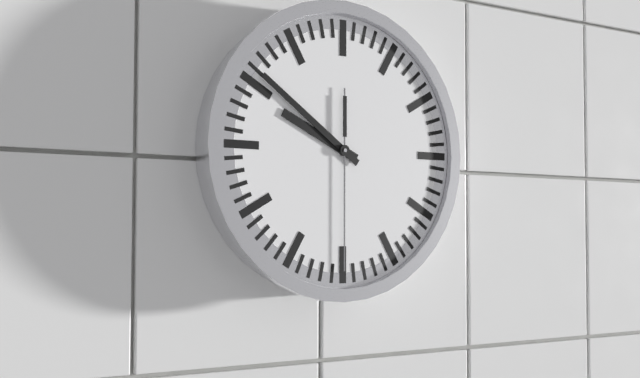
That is 9:51:30
